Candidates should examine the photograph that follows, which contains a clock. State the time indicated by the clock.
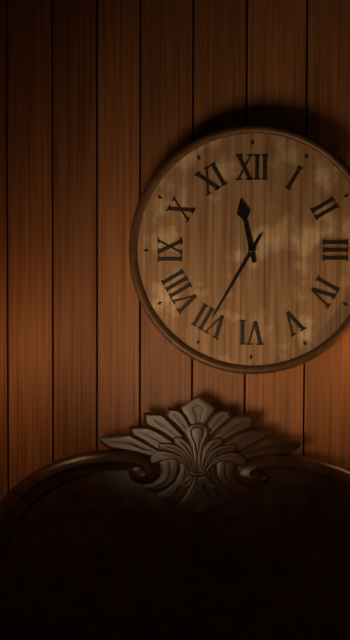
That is 11:35
